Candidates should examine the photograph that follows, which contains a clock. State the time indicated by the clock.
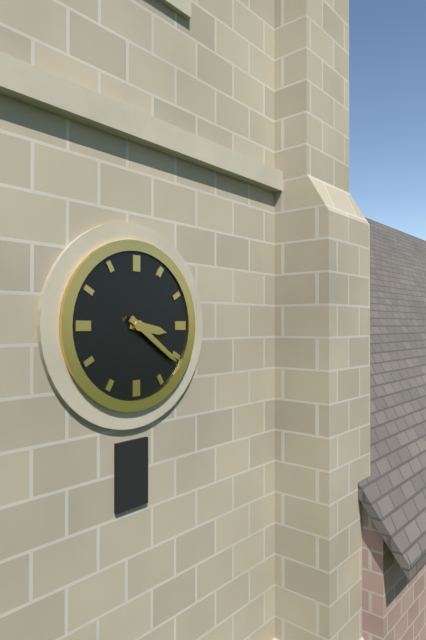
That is 3:21
